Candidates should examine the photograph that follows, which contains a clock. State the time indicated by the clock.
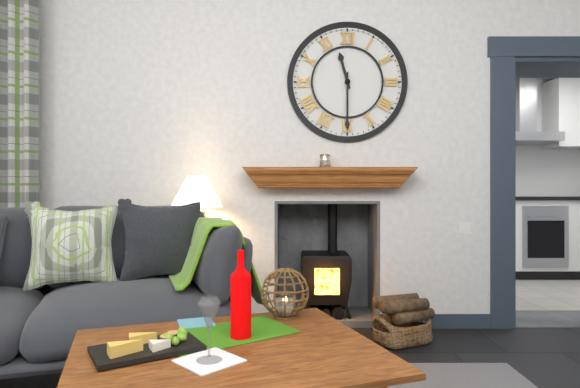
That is 11:30
